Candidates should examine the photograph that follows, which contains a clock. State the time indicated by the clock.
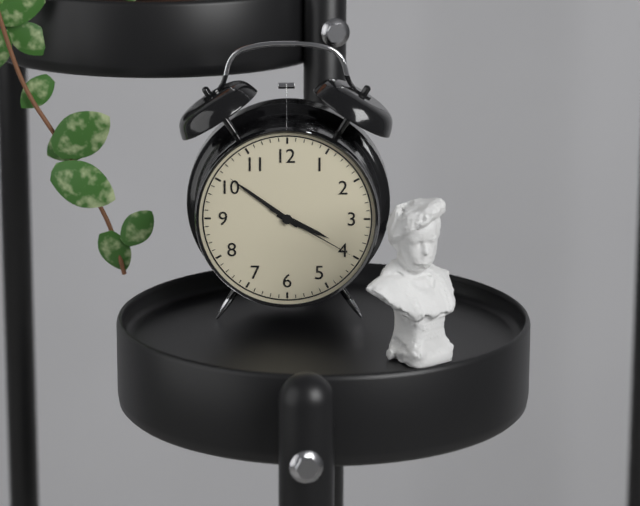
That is 3:51:20
